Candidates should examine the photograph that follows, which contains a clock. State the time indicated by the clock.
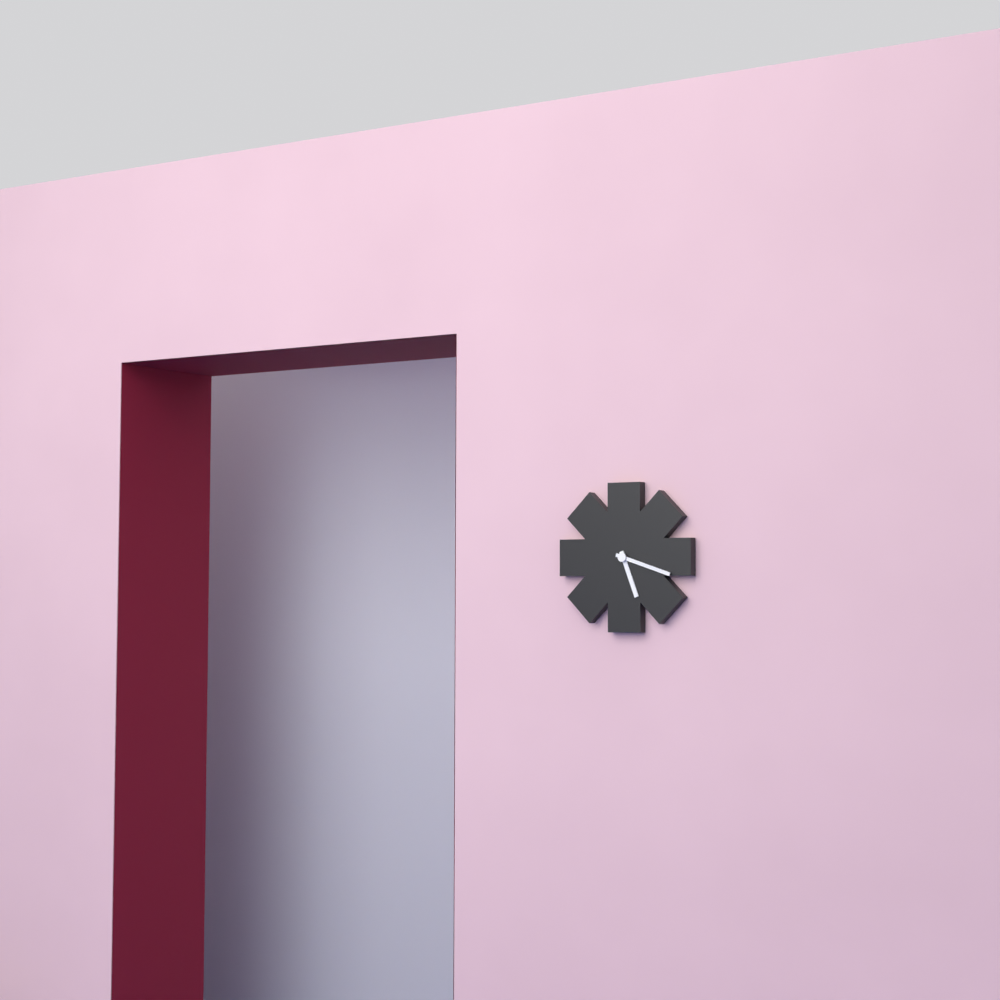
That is 5:18
